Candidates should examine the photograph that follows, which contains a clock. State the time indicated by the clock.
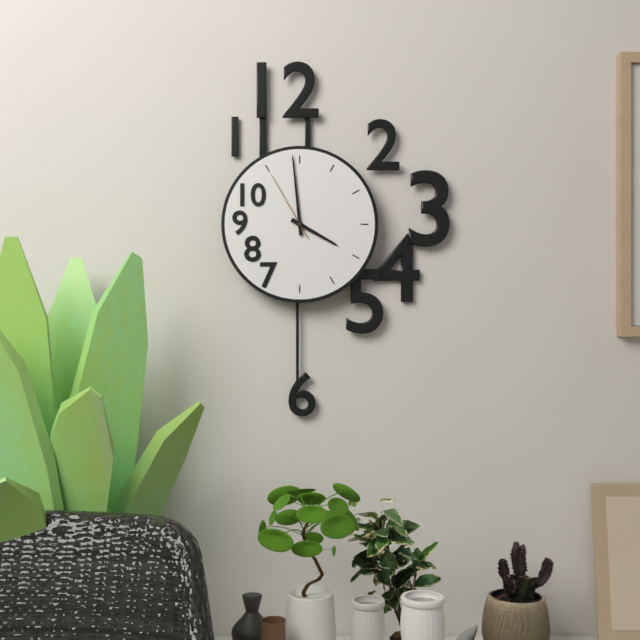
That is 3:59:55
